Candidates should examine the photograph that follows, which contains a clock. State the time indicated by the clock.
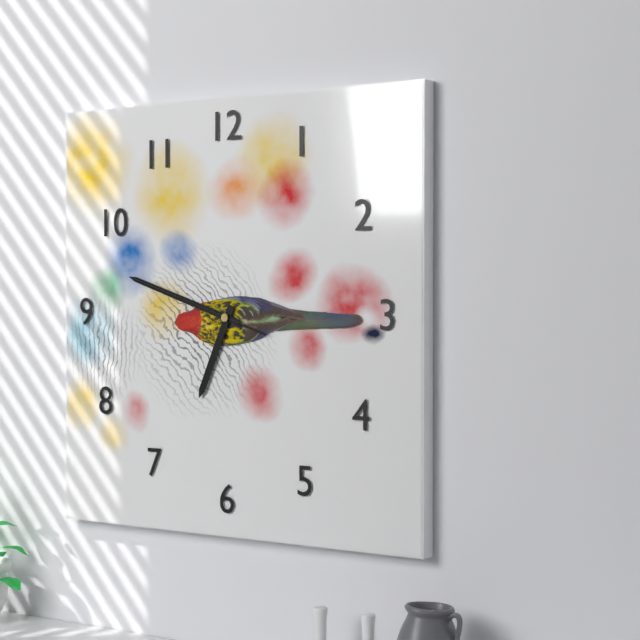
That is 6:48:48
